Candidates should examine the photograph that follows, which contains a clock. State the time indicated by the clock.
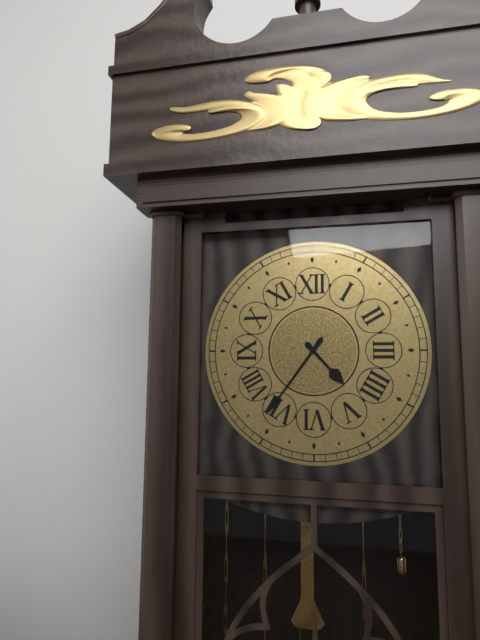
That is 4:36
